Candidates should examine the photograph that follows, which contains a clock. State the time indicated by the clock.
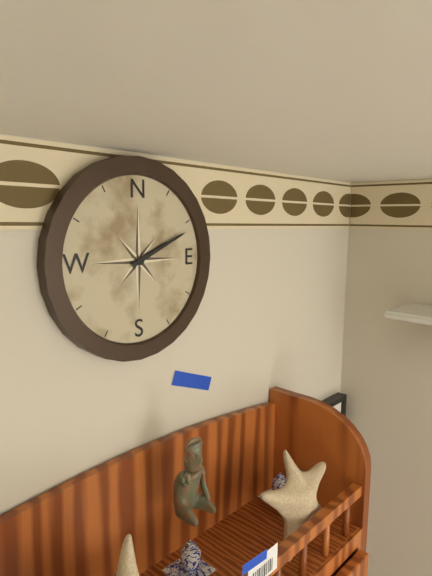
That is 2:11
